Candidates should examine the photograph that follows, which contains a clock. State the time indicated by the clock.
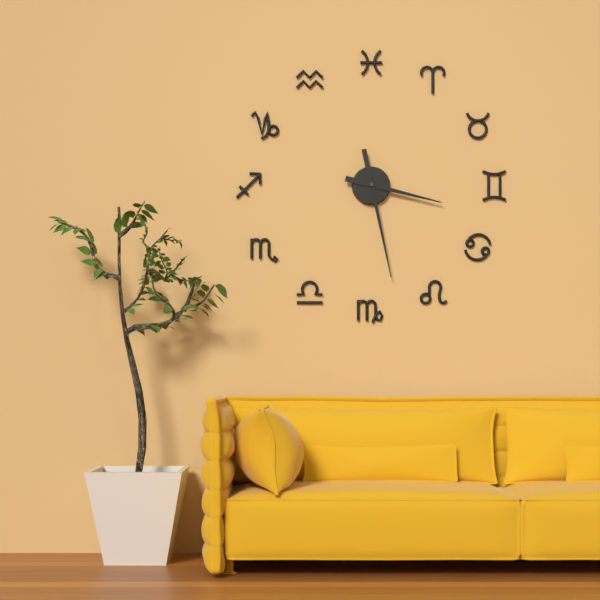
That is 3:28
